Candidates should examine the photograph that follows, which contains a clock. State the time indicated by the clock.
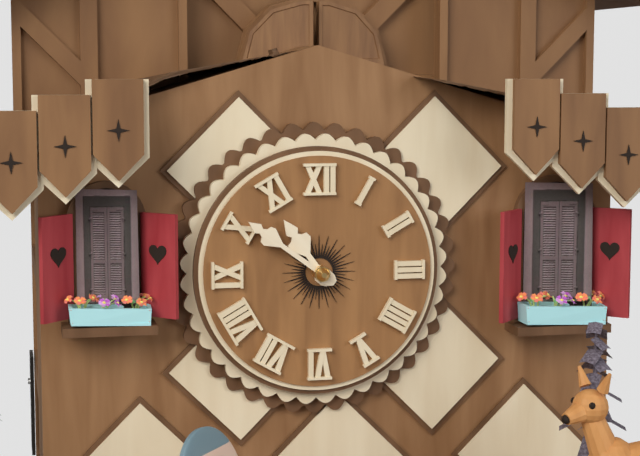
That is 10:51
